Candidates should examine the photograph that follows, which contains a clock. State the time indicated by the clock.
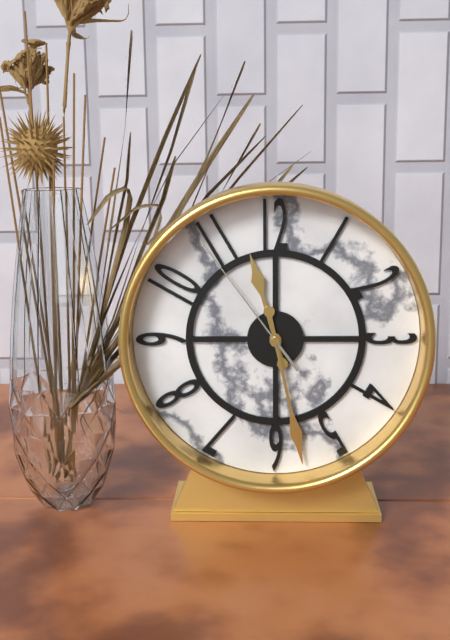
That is 11:28:54
